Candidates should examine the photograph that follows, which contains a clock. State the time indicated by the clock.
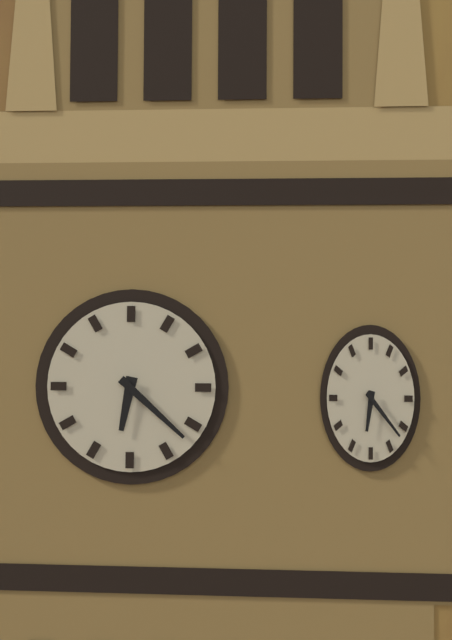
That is 6:22
